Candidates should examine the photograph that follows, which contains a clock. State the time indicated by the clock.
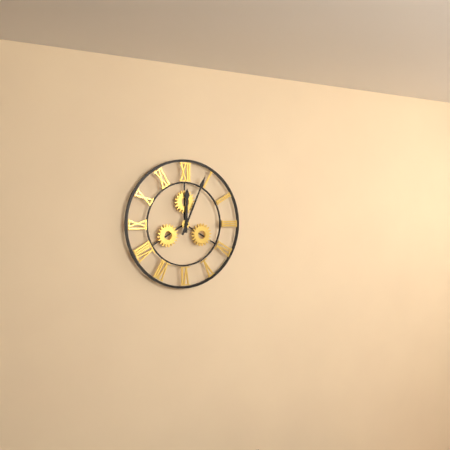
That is 12:04
